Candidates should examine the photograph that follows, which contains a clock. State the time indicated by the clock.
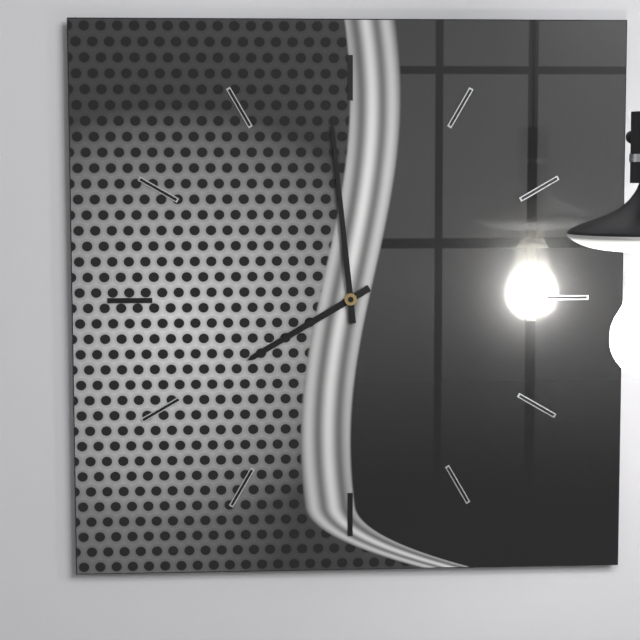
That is 7:59
